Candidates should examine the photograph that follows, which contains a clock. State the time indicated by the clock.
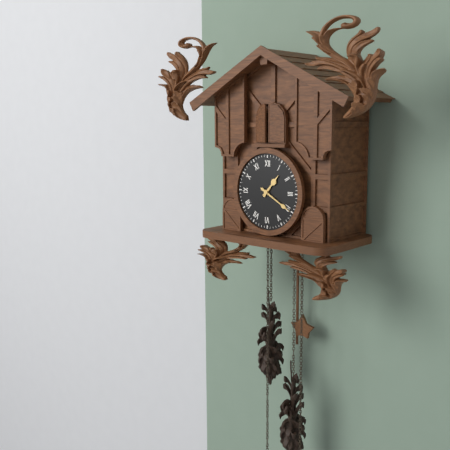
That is 1:20
